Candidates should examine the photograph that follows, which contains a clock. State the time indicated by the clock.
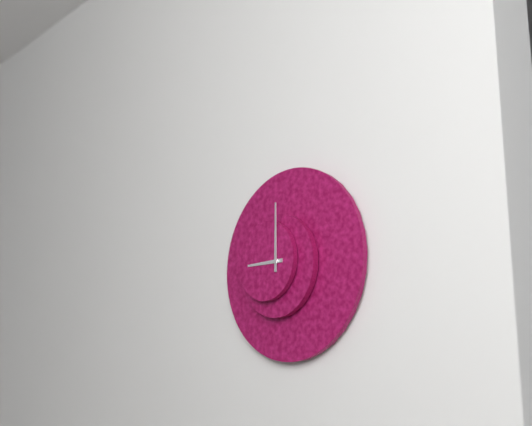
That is 9:00
